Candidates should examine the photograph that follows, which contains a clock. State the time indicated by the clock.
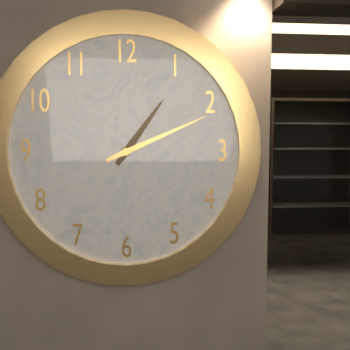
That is 1:11
